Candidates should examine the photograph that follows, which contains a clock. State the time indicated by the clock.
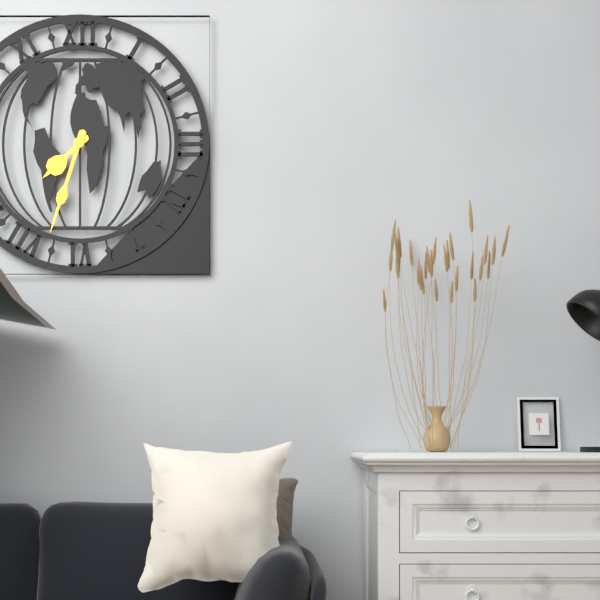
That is 7:33
